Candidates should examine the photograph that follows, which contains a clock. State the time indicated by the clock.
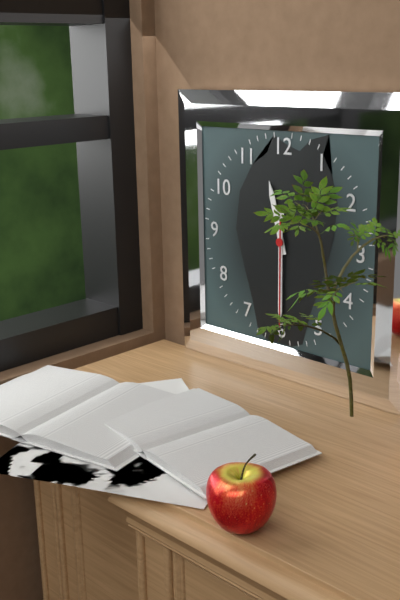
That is 11:30:30
